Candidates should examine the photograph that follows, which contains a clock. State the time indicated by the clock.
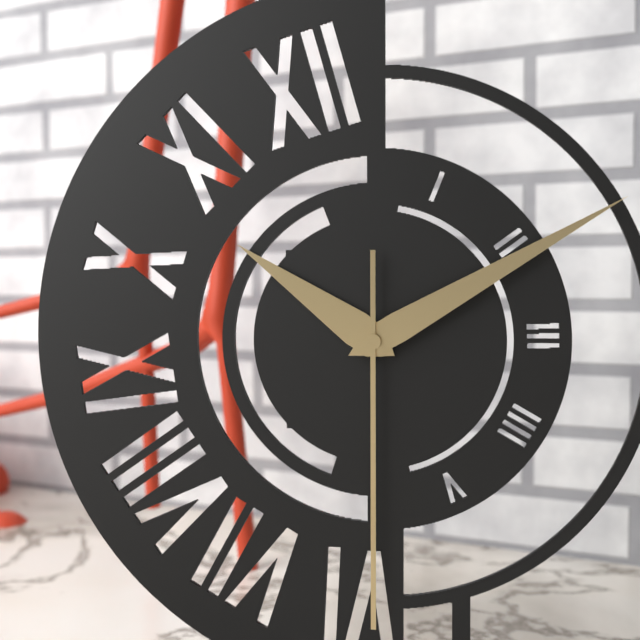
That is 10:10:30
